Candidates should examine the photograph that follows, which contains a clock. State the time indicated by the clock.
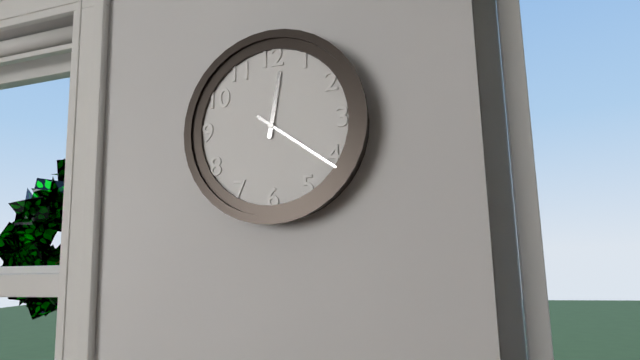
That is 12:21
